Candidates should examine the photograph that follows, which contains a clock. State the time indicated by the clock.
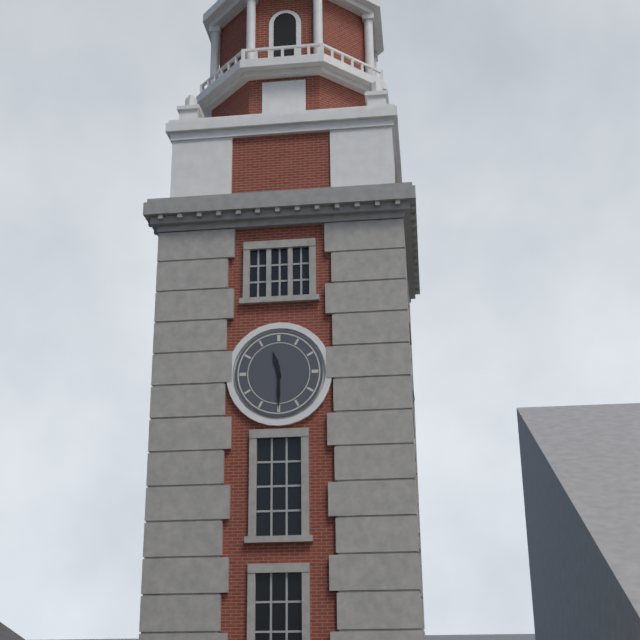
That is 11:30
